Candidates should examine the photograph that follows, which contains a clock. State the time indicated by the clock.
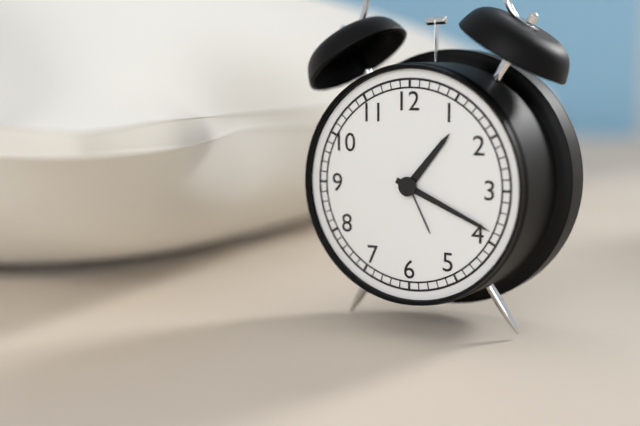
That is 1:19
